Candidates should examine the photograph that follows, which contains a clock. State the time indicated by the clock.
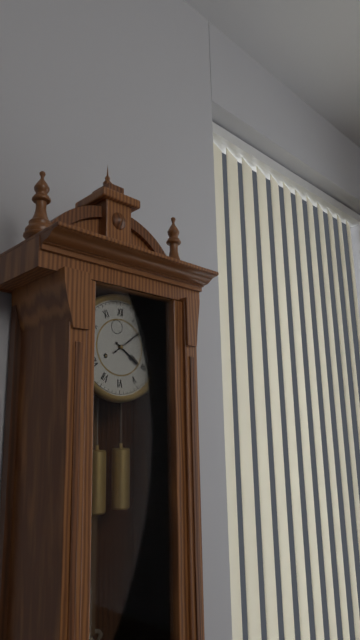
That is 4:09
